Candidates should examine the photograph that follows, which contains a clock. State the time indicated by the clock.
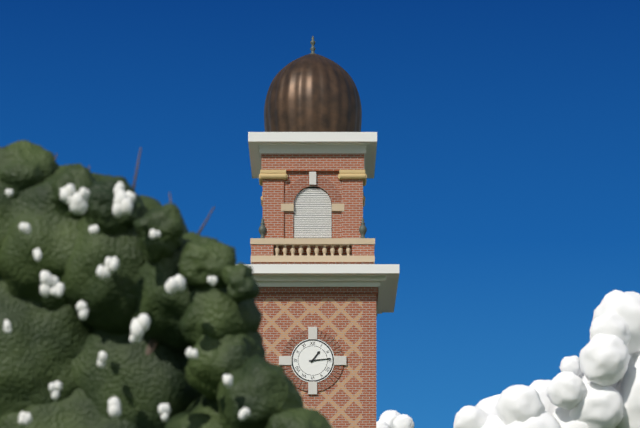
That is 1:14
